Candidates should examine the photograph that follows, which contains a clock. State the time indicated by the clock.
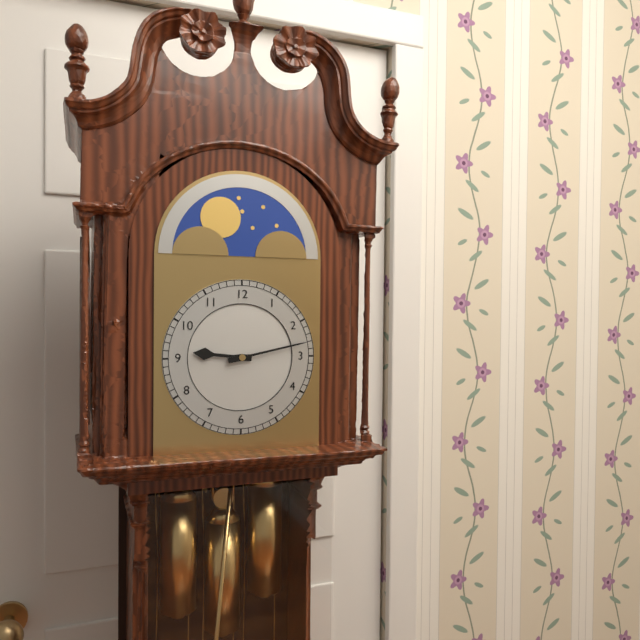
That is 9:13
